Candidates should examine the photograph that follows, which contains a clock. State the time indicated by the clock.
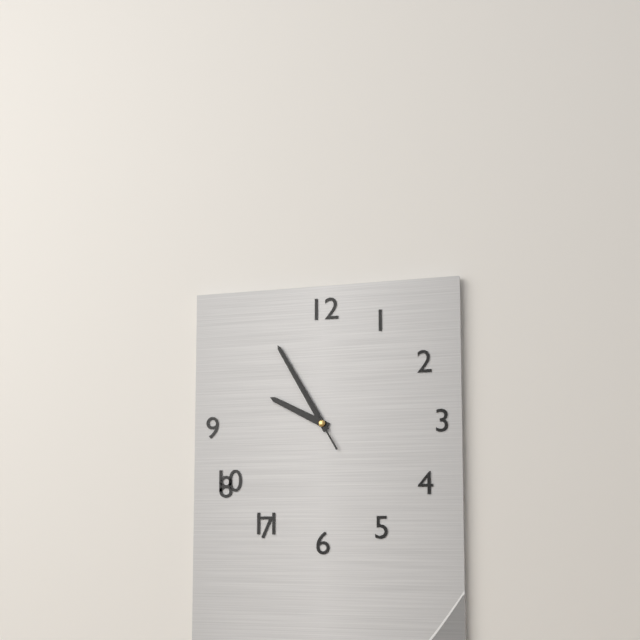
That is 9:55:55
